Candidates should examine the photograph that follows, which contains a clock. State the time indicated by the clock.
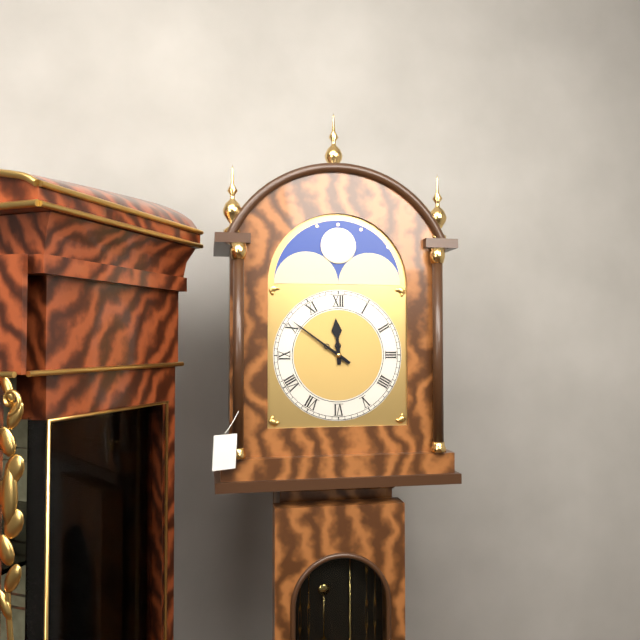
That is 11:51
